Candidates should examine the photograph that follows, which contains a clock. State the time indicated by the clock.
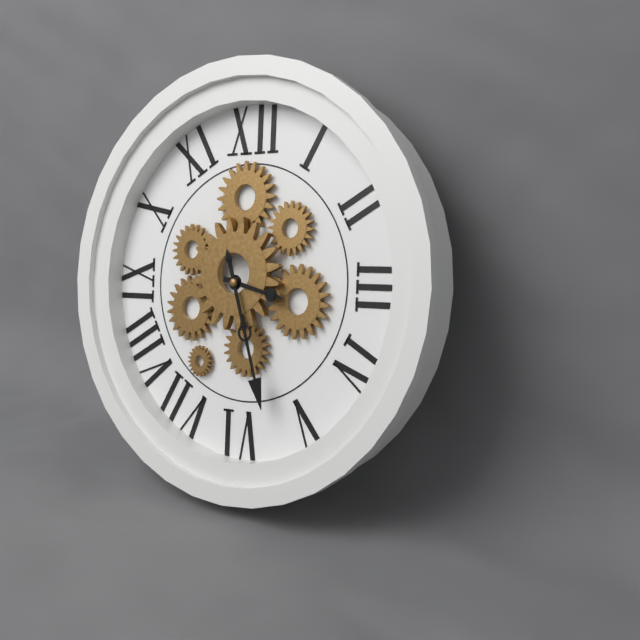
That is 3:27
